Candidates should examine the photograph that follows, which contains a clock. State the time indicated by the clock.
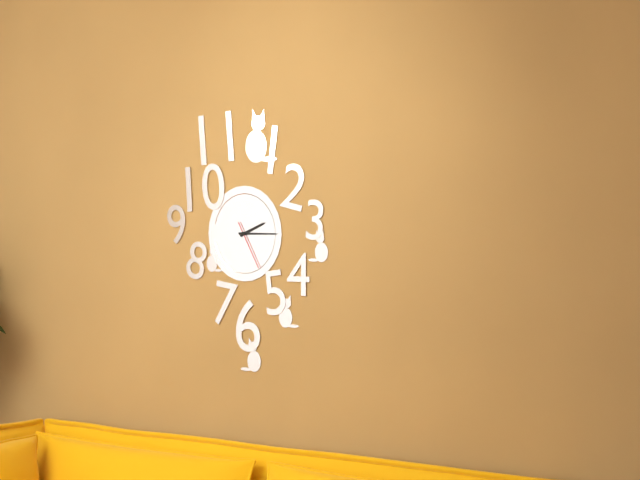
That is 2:15
